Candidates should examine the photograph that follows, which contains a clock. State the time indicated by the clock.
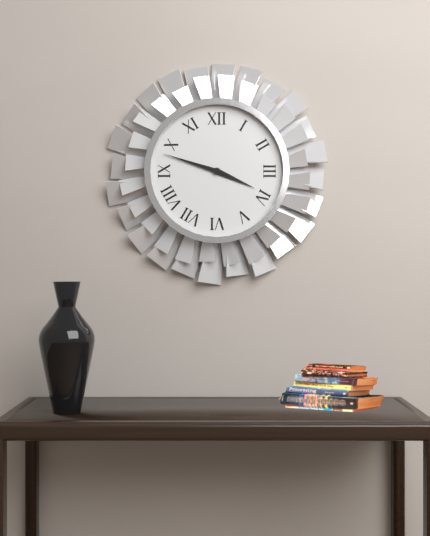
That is 3:48
